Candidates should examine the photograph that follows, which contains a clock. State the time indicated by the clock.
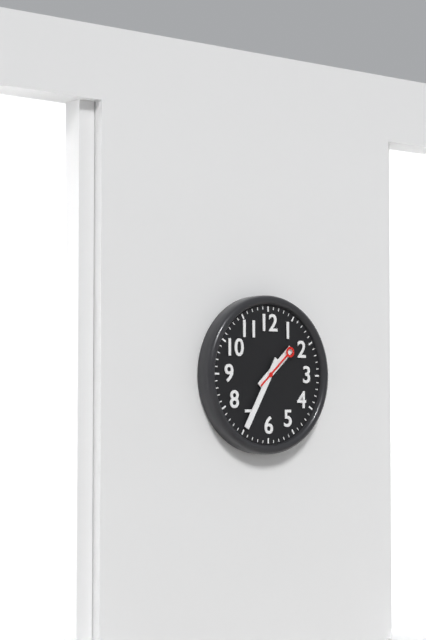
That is 1:35:08
